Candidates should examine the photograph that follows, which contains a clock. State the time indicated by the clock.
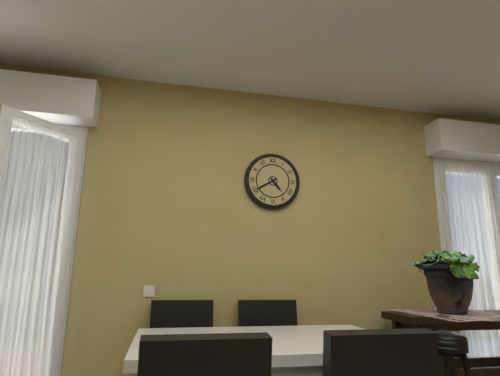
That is 4:40
